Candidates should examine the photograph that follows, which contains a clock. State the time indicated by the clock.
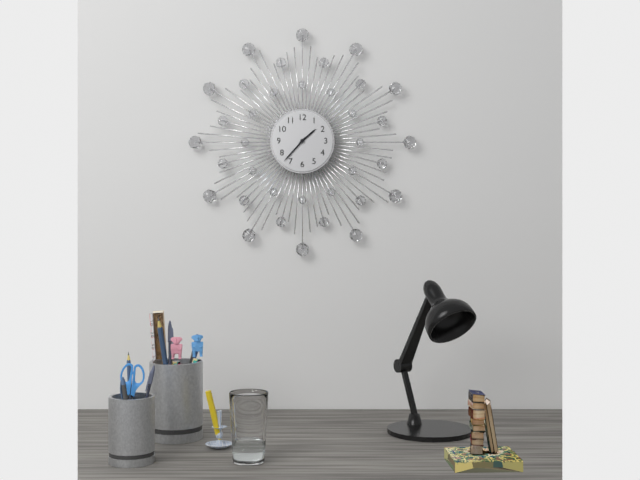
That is 1:37
